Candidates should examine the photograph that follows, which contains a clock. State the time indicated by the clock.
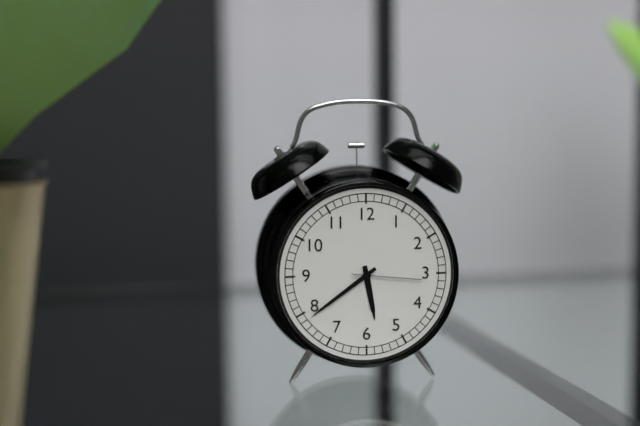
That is 5:39:16
